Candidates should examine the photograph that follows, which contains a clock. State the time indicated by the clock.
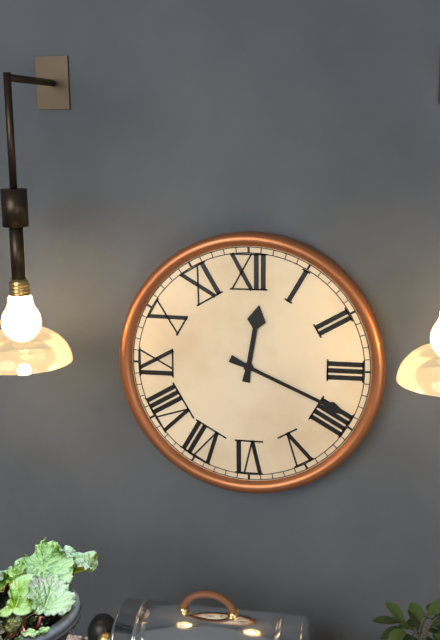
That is 12:19
